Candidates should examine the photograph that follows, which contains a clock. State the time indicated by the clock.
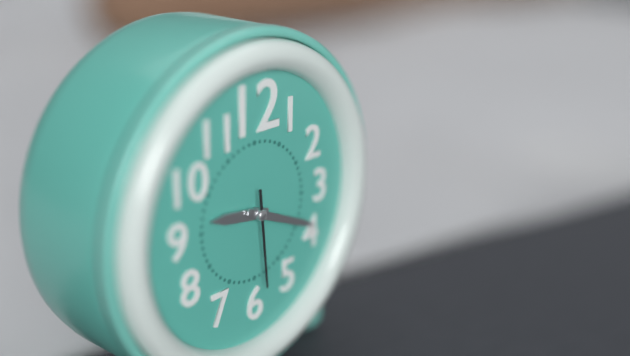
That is 9:19:29
